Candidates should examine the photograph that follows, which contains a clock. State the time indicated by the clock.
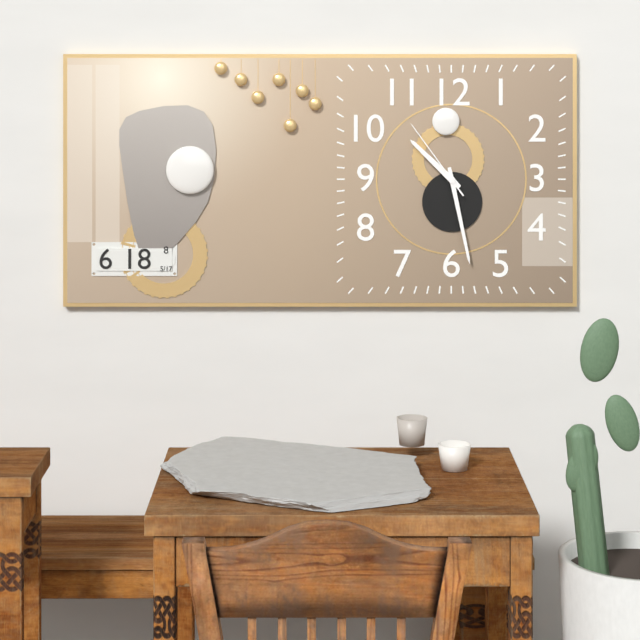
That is 10:28:54
